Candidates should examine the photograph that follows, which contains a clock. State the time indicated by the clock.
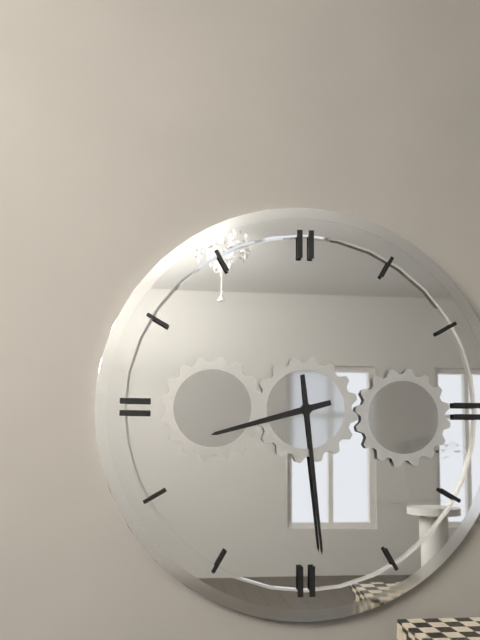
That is 8:29
